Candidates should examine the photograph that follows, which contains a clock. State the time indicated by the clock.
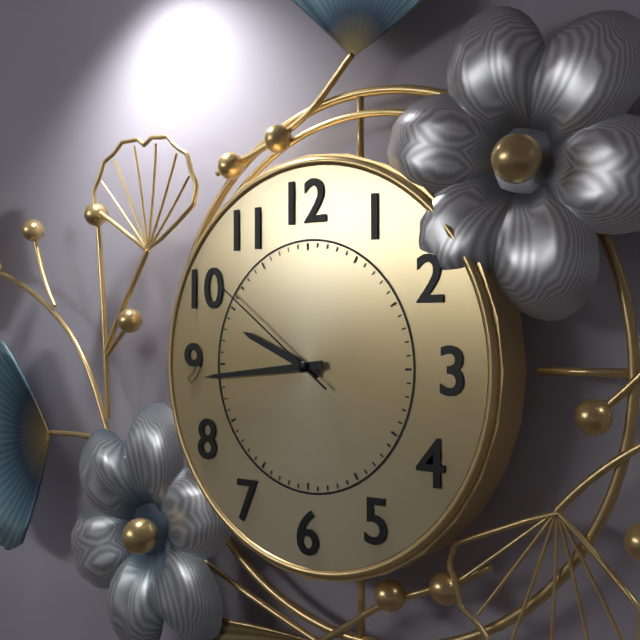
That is 9:44:51
